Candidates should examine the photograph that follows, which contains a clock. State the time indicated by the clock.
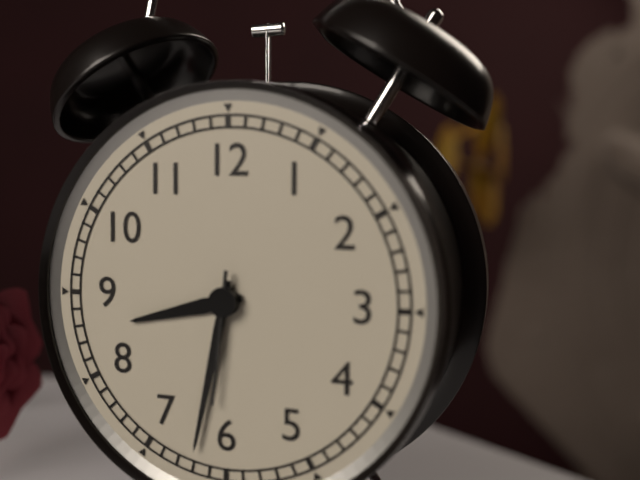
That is 8:32:31
